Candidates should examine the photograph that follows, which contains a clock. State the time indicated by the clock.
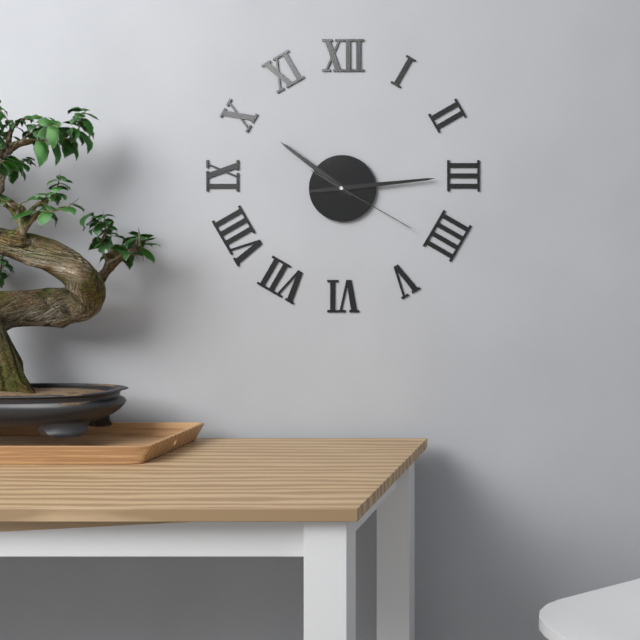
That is 10:14:20
